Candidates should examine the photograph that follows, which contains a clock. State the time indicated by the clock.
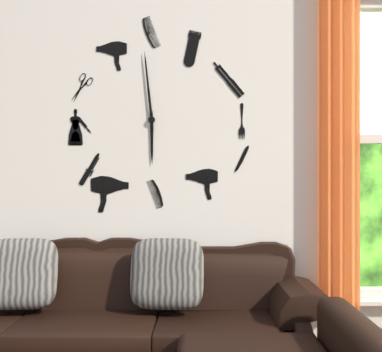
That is 5:59
